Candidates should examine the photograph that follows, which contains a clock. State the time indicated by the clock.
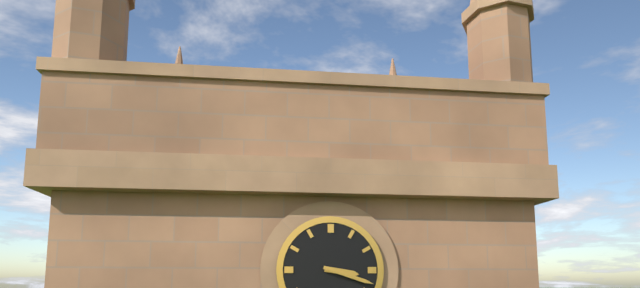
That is 3:18
